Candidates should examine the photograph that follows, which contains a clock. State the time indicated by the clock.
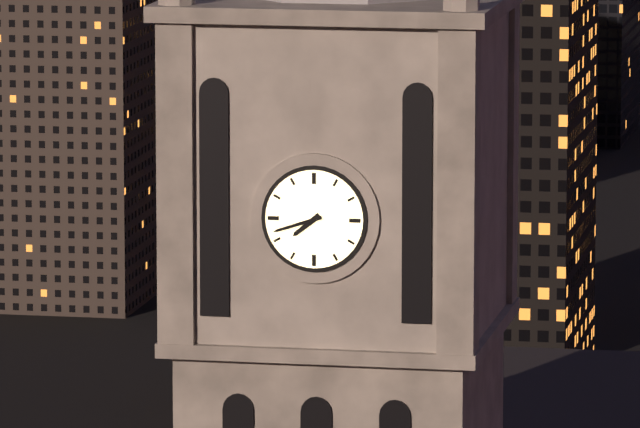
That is 7:42
